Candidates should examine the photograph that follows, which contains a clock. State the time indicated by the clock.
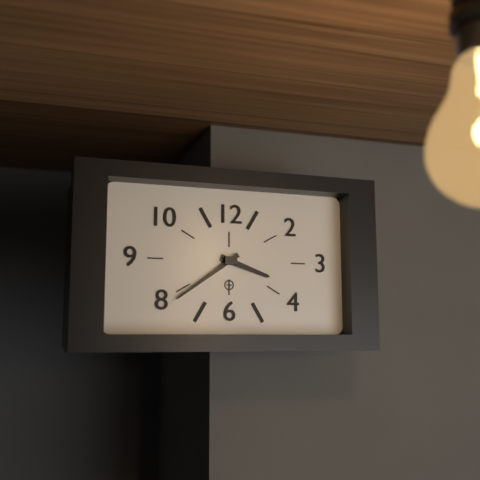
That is 3:39
